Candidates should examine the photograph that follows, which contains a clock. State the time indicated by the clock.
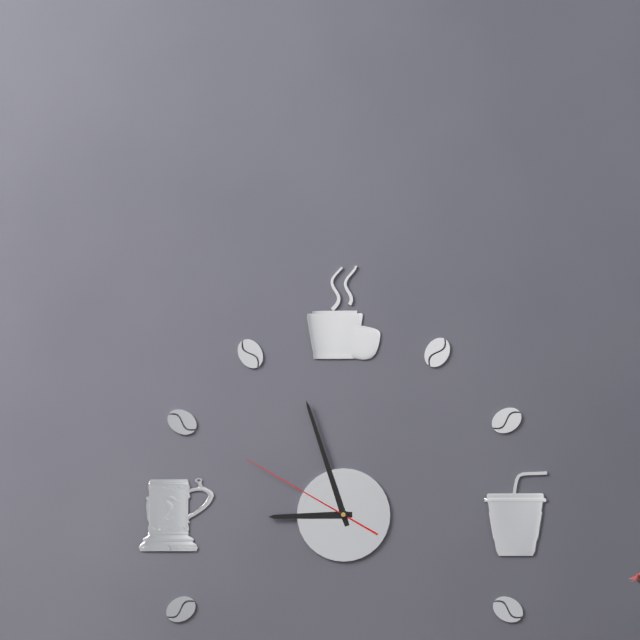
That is 8:57:50
